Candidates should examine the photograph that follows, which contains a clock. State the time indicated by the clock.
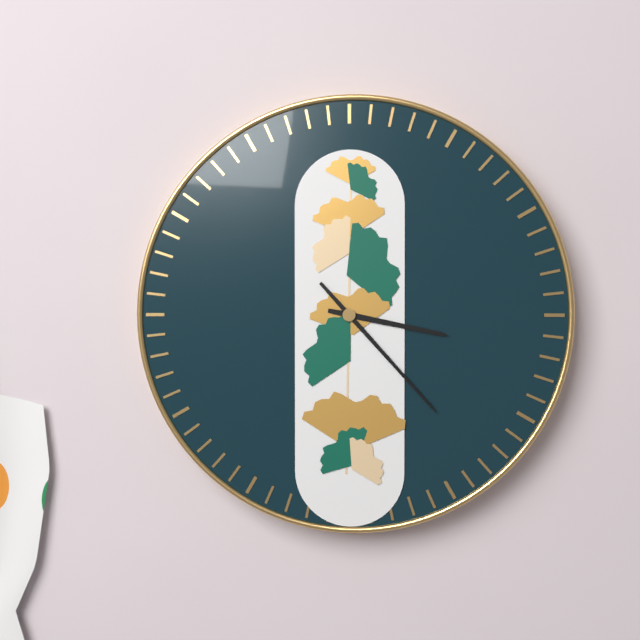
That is 3:23
